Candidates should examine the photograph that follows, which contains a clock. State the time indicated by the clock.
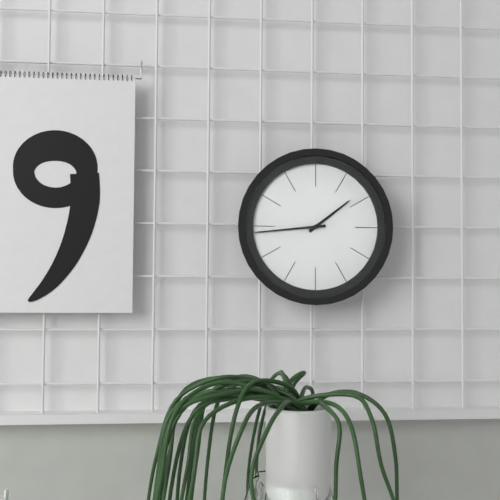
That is 1:44
